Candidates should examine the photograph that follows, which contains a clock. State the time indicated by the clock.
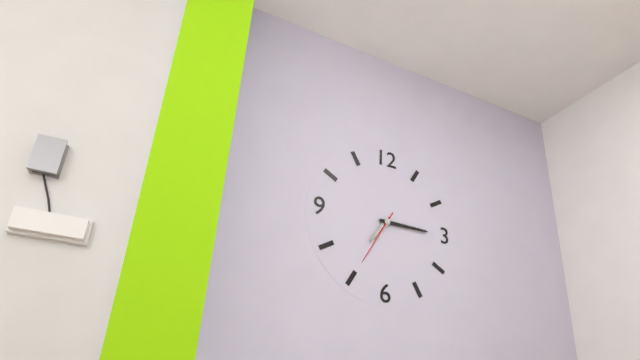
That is 7:15:35
